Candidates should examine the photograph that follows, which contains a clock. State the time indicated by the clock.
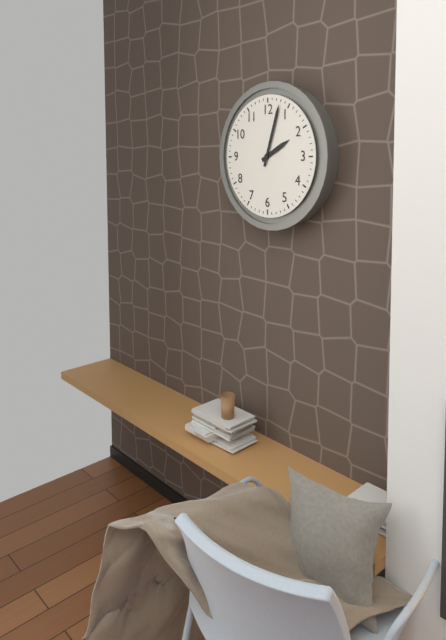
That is 2:03
